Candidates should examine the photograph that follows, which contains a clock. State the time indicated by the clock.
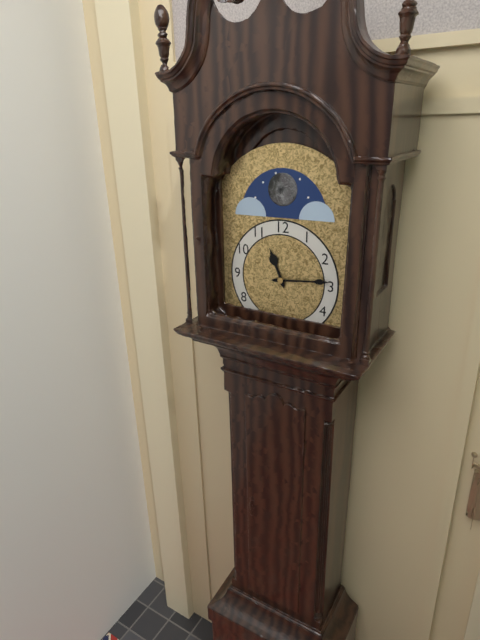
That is 11:14
